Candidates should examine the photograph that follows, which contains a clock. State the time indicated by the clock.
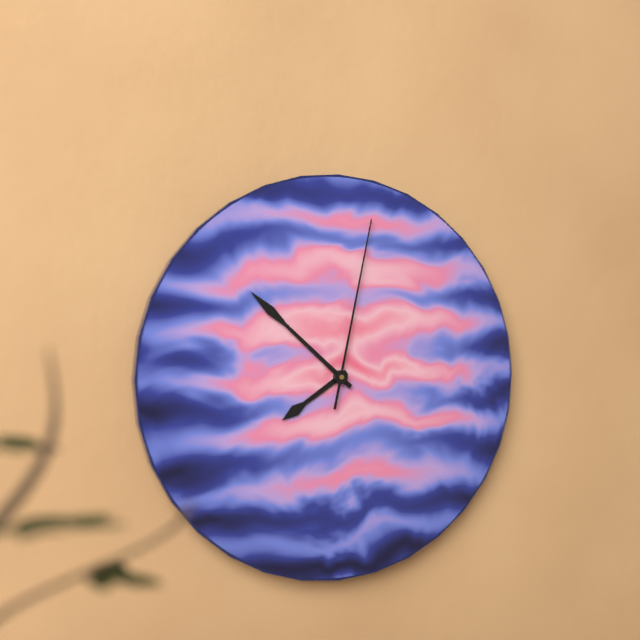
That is 7:52:02
